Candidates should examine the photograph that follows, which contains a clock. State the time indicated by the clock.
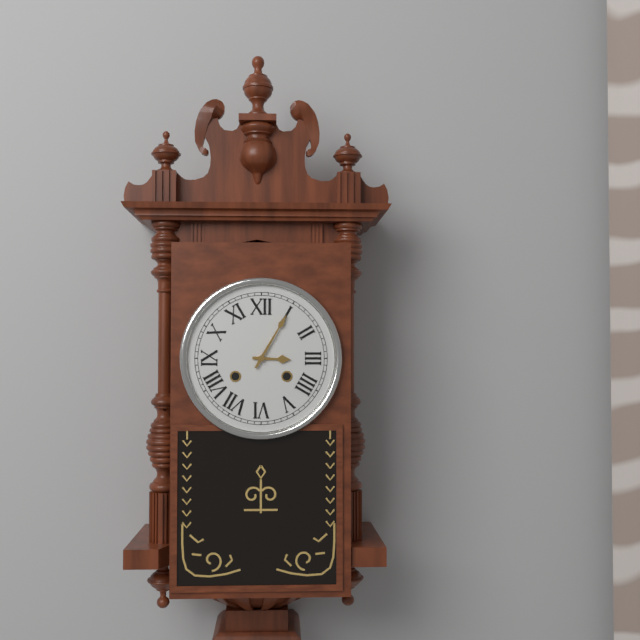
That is 3:05
